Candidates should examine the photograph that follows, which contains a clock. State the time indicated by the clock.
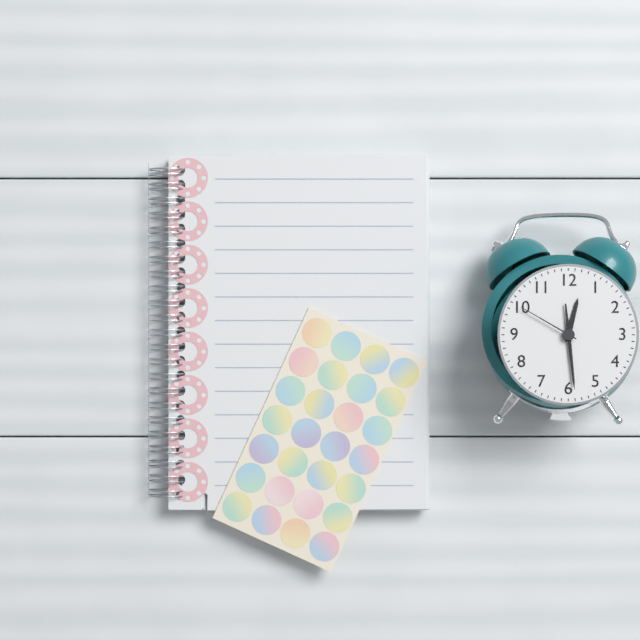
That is 12:29:50
